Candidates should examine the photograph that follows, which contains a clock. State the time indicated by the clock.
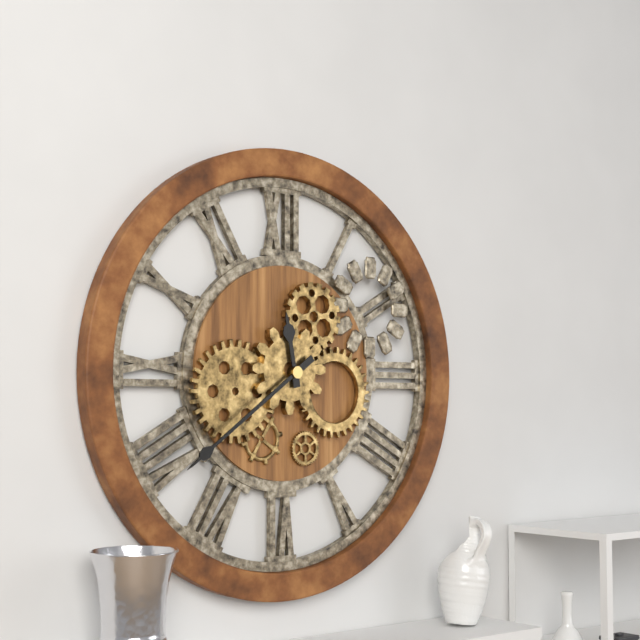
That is 11:39
